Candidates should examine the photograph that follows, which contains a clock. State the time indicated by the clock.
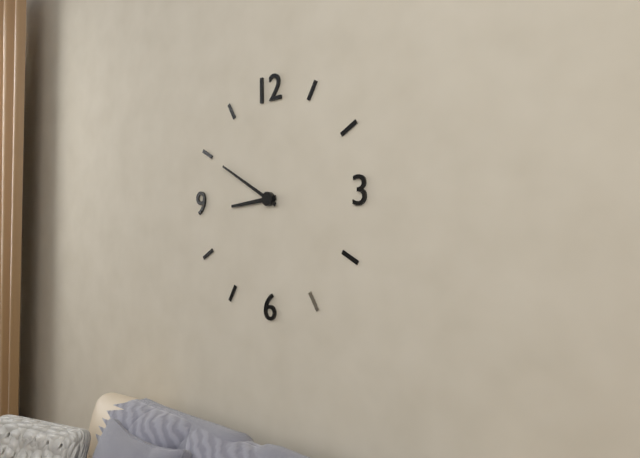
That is 8:50
